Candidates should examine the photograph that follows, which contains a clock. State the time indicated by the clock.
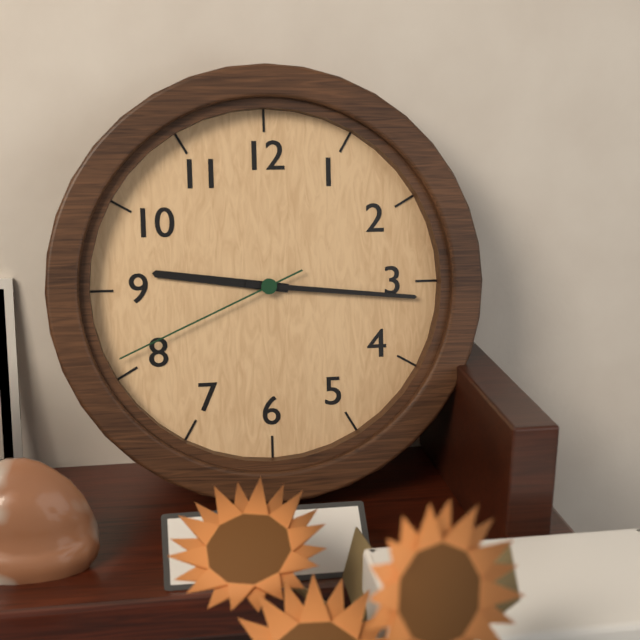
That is 9:16:41
